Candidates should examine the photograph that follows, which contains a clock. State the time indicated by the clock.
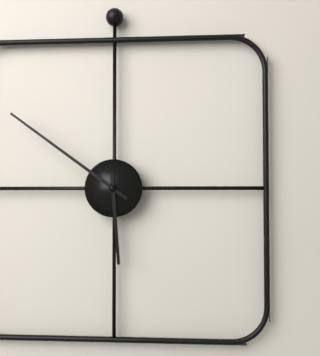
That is 5:51
